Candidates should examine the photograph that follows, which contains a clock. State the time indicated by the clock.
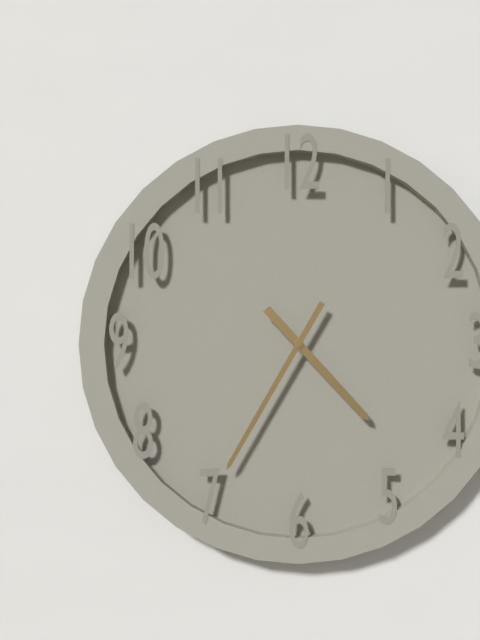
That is 4:35
